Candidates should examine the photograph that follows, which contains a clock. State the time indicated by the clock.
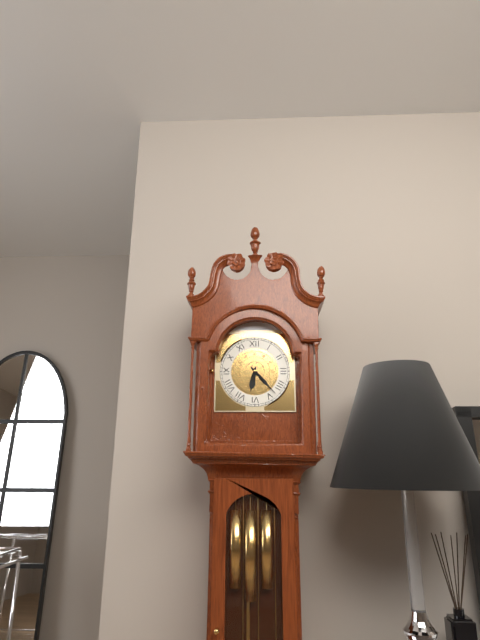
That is 6:23
